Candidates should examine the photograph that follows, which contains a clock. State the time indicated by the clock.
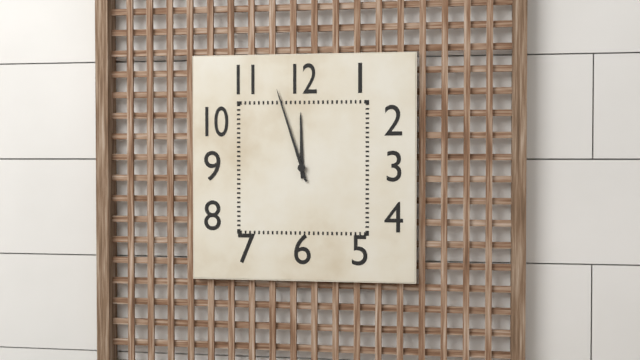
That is 11:57
